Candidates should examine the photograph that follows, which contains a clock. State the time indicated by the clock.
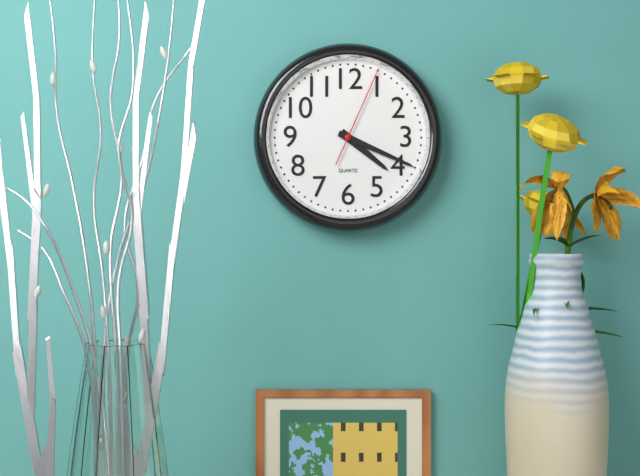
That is 4:19:04
